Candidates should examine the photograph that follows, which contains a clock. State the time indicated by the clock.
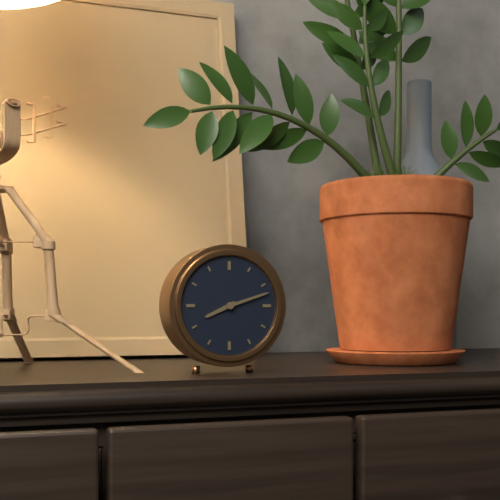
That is 8:12
